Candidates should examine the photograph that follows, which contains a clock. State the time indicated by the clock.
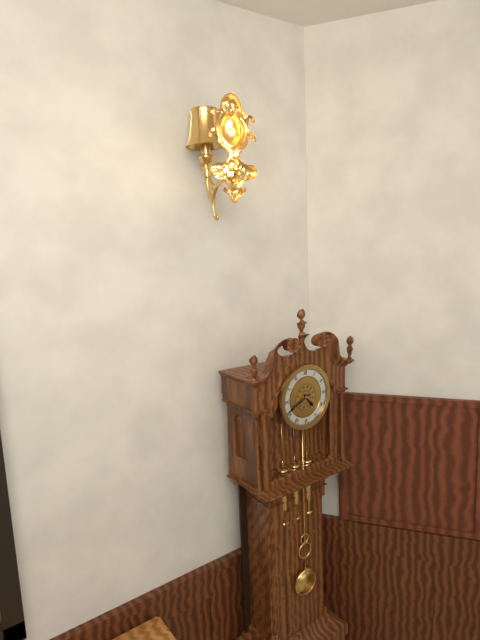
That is 4:41
